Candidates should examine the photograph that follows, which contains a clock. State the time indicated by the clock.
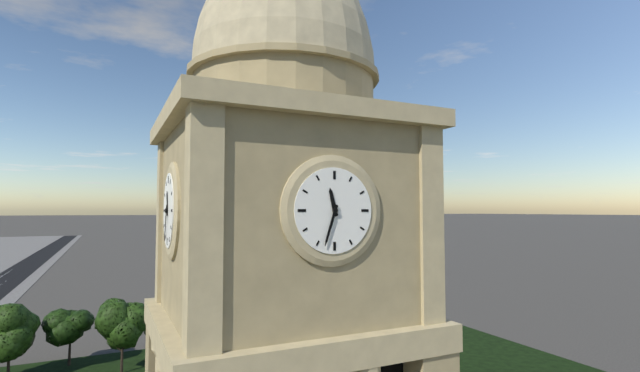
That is 11:33
